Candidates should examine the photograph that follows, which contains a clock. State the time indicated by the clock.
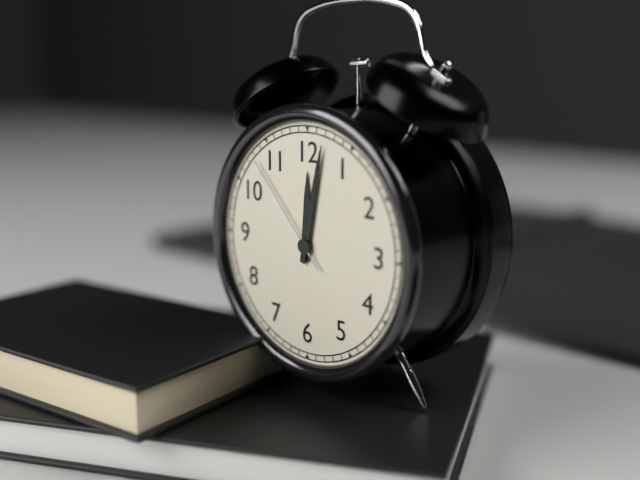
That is 12:02:53
